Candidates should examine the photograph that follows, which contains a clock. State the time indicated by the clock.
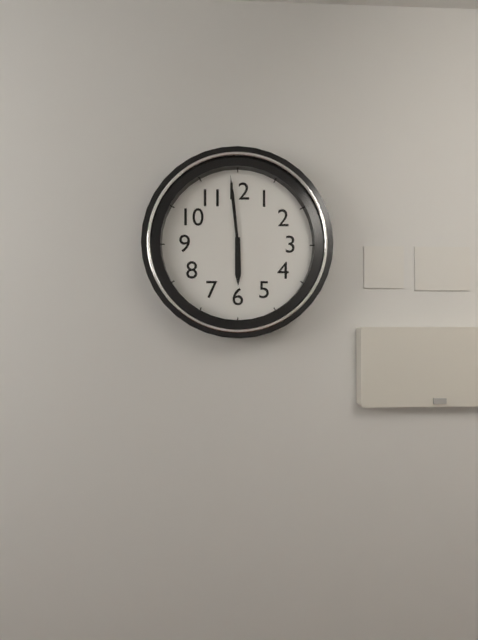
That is 5:59
